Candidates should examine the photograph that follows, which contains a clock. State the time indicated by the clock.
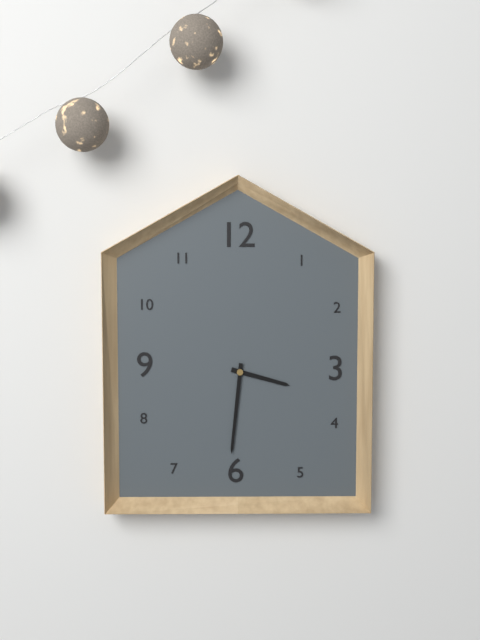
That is 3:31
